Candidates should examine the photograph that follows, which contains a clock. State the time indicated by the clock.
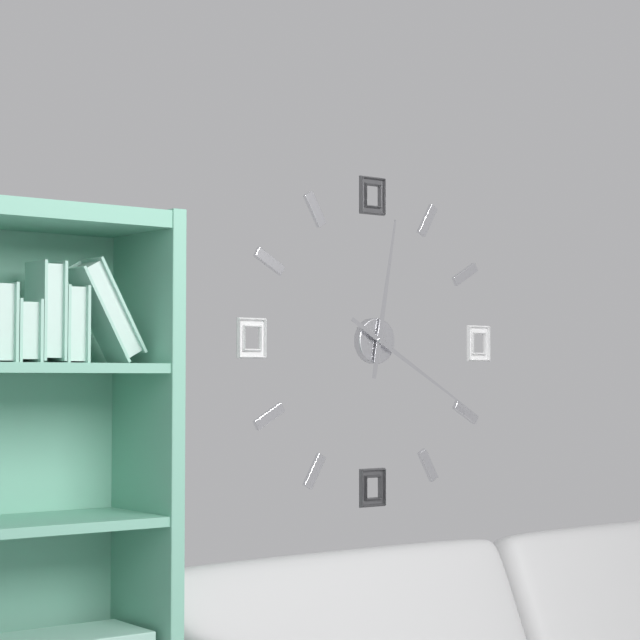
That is 12:20
